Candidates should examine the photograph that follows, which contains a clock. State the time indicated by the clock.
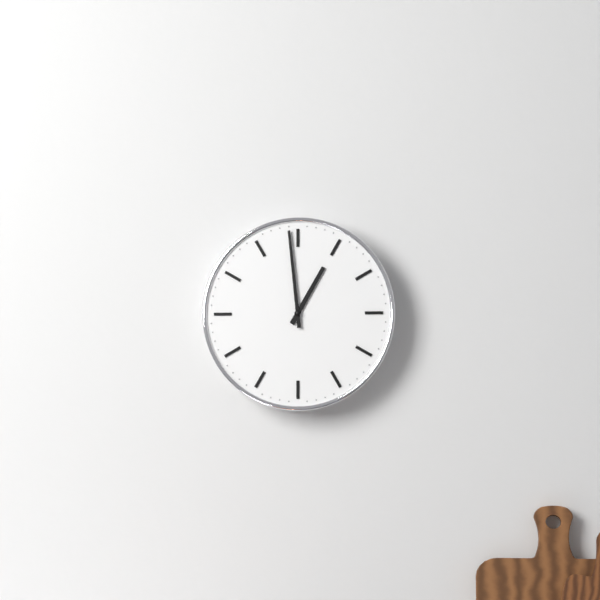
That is 12:59
